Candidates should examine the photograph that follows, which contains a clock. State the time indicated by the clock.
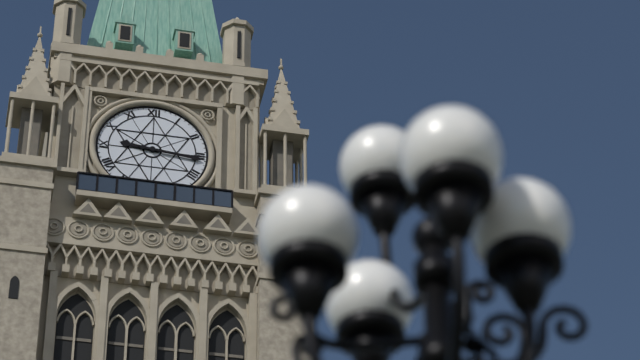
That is 9:16
